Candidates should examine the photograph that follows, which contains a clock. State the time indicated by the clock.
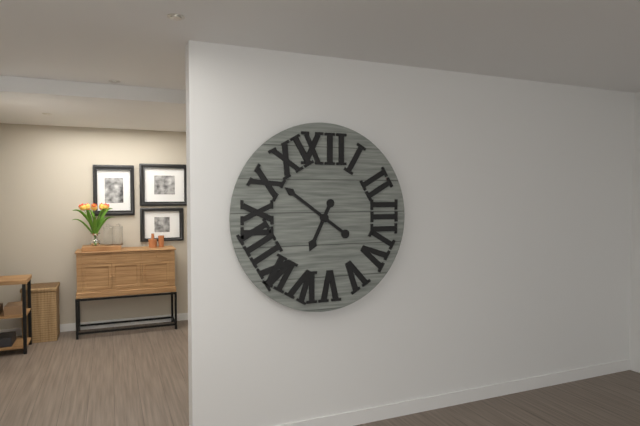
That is 6:51
